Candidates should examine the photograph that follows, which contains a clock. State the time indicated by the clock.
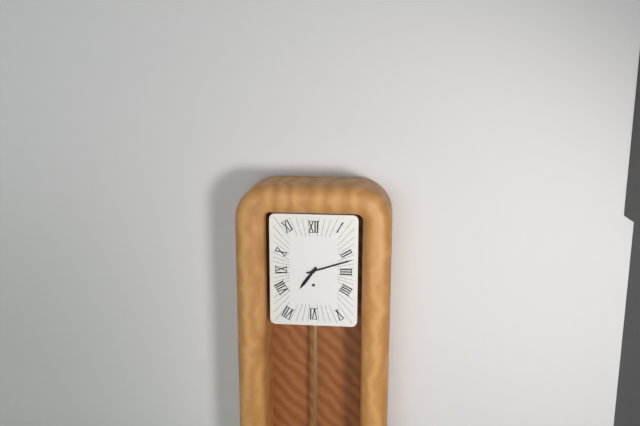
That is 7:12
